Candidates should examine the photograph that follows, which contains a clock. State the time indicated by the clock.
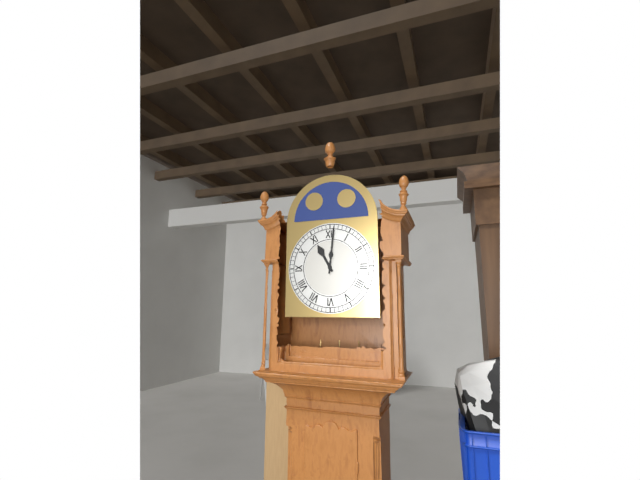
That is 11:01
